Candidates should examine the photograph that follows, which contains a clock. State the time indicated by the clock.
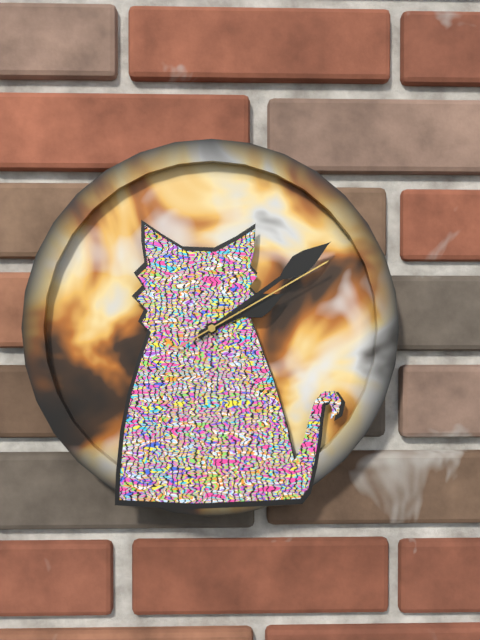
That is 2:09:10
